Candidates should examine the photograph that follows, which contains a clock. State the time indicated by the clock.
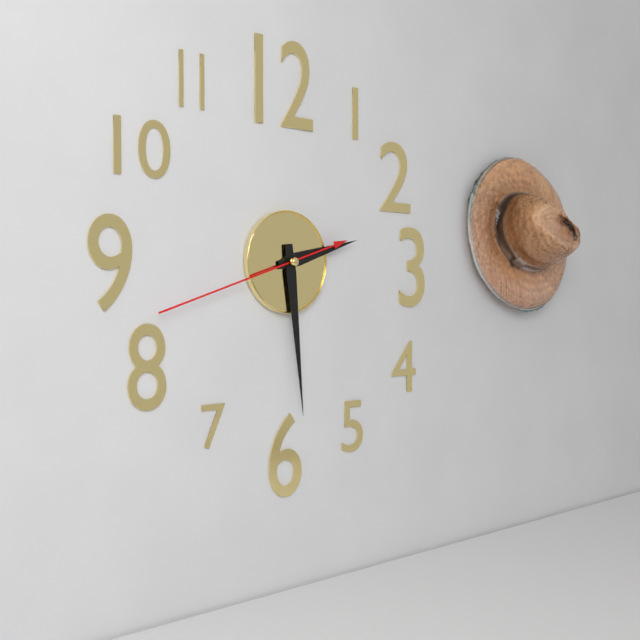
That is 2:29:42
